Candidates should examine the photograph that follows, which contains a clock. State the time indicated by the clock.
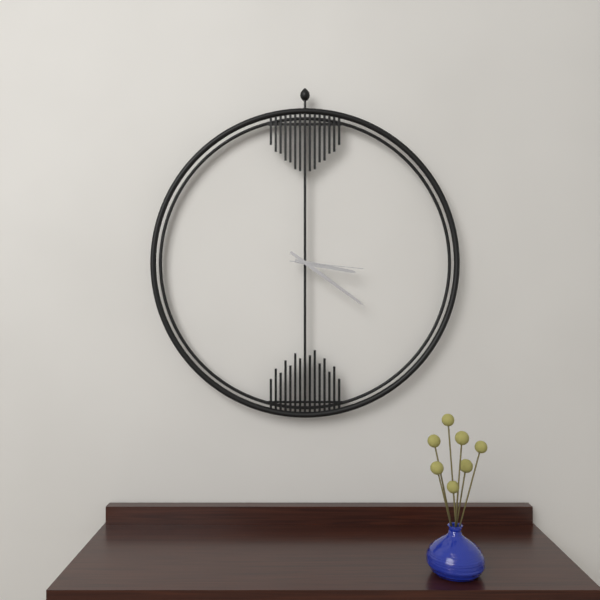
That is 3:21:16
